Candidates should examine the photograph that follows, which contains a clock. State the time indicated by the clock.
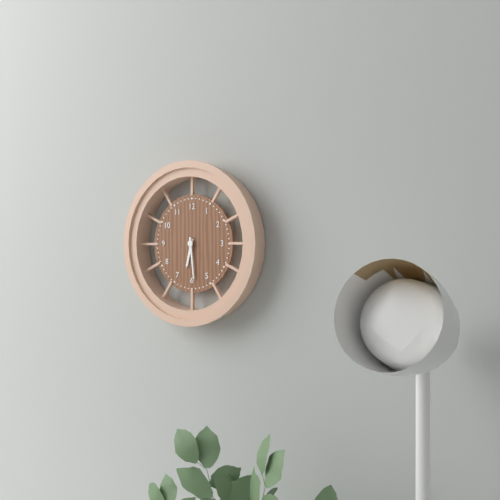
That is 6:29
